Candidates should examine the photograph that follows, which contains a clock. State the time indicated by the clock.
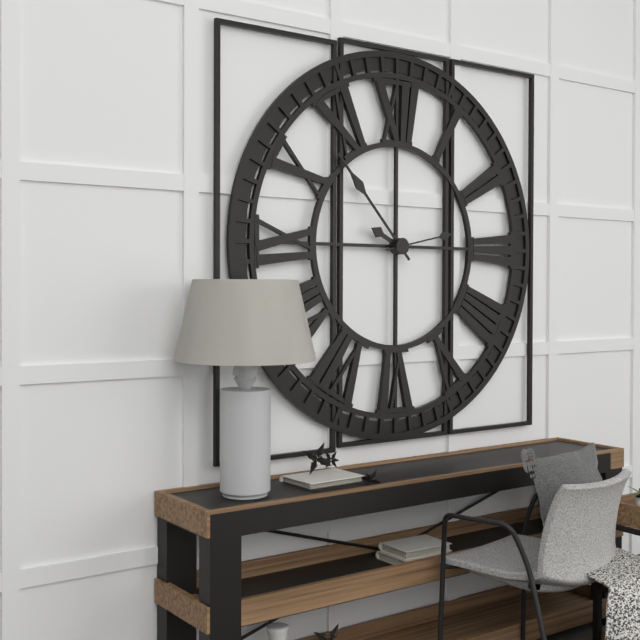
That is 9:53:13
